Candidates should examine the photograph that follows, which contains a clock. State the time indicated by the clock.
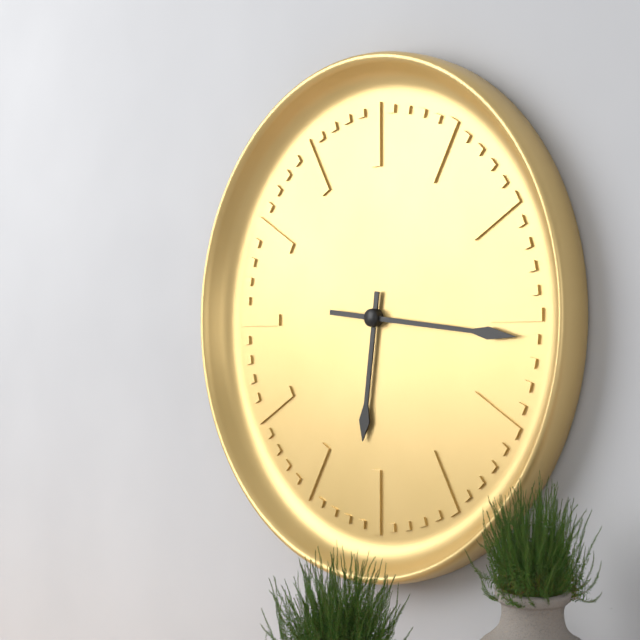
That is 6:16
